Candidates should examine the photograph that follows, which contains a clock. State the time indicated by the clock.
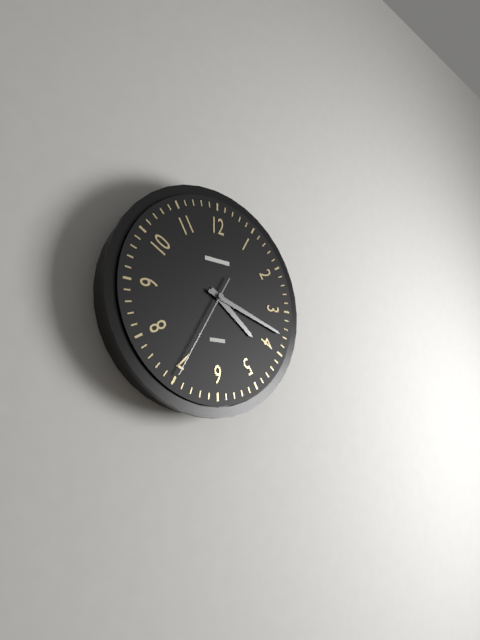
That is 4:18:35
